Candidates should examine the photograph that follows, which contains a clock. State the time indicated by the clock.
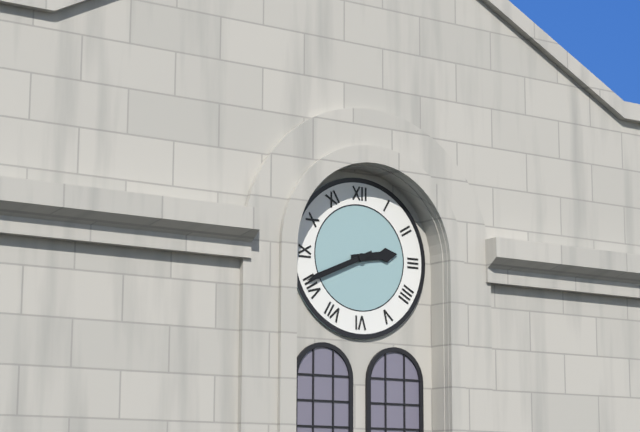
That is 2:41
